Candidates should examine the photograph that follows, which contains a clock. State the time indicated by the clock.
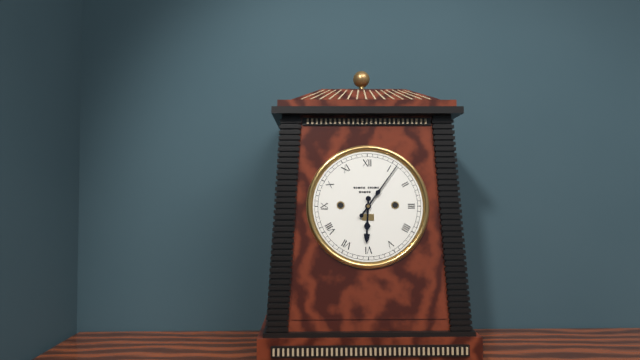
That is 6:06
